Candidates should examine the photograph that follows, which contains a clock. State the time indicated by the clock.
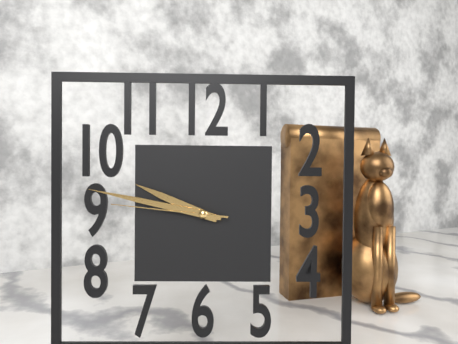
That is 9:47:46
